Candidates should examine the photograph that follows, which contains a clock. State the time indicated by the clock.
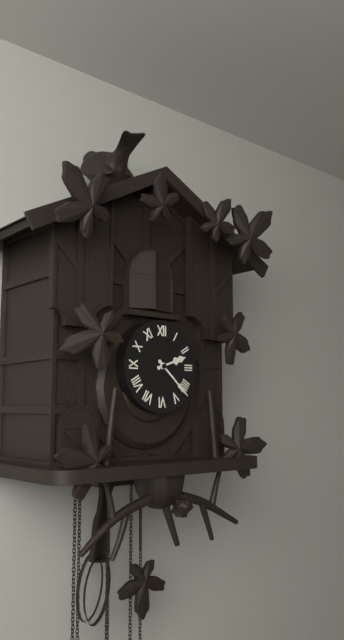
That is 2:22
